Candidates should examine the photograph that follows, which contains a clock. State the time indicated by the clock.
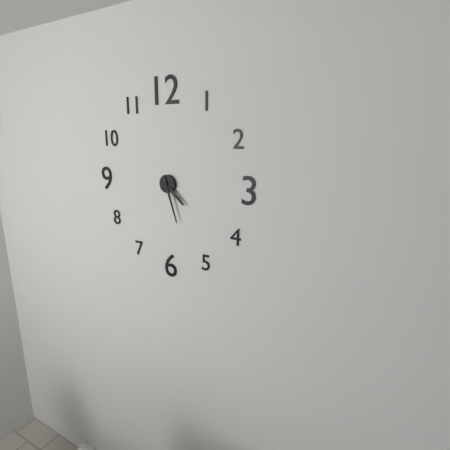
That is 4:27
